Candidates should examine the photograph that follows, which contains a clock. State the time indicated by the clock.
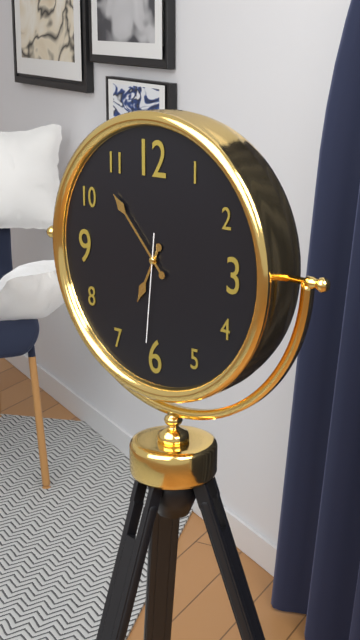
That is 6:53:31
